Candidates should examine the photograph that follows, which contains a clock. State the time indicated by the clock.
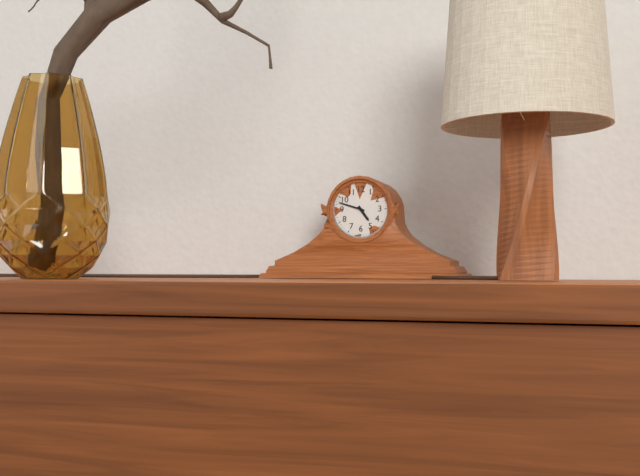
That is 4:48
